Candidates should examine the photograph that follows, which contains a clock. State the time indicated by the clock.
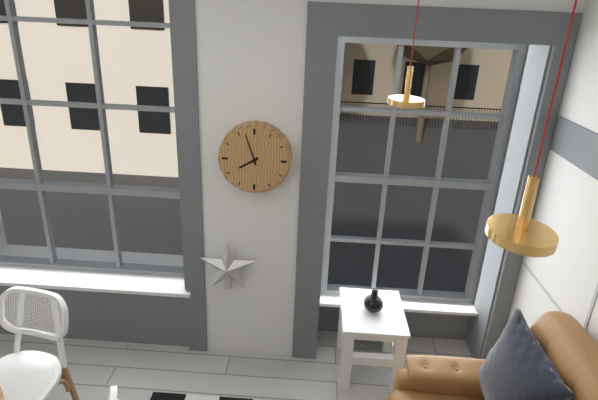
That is 7:57
